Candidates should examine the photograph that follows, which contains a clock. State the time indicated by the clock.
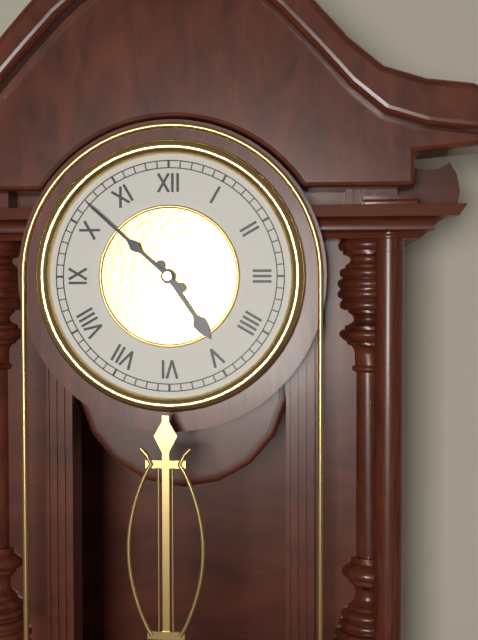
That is 4:52
